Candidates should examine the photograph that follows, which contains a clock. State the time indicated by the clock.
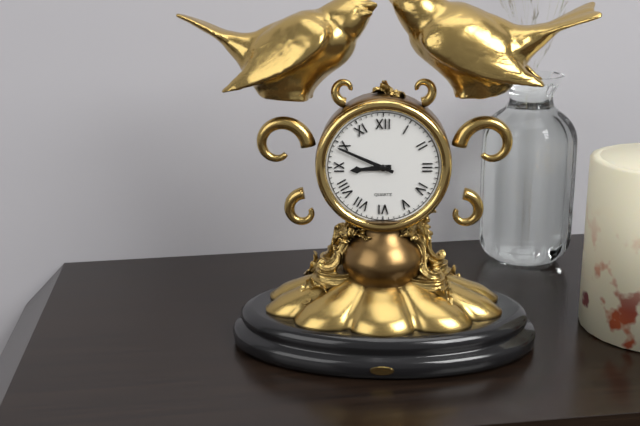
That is 8:49
